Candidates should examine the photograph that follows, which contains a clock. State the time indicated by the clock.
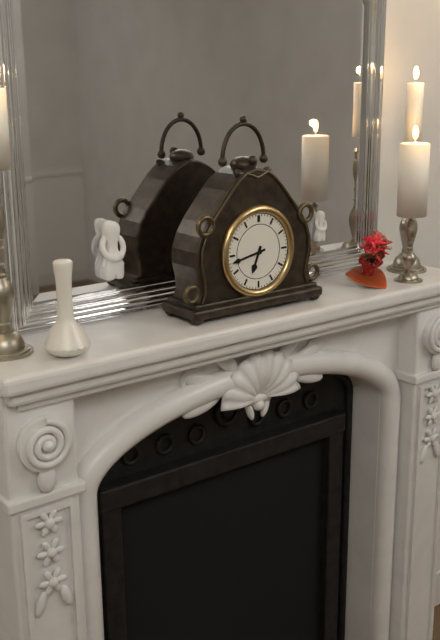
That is 6:43
